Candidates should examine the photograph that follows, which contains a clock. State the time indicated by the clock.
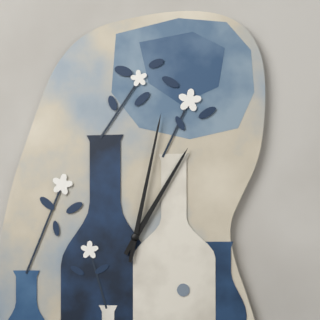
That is 1:02
